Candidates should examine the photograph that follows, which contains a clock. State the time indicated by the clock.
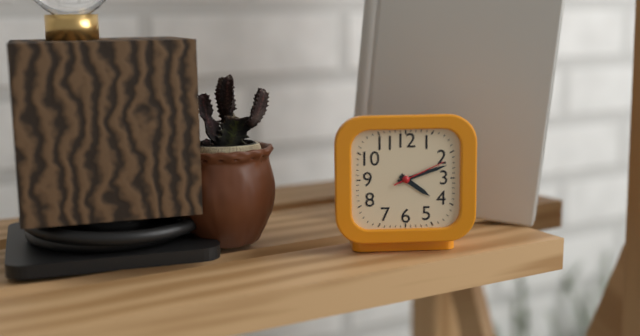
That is 4:12:11
